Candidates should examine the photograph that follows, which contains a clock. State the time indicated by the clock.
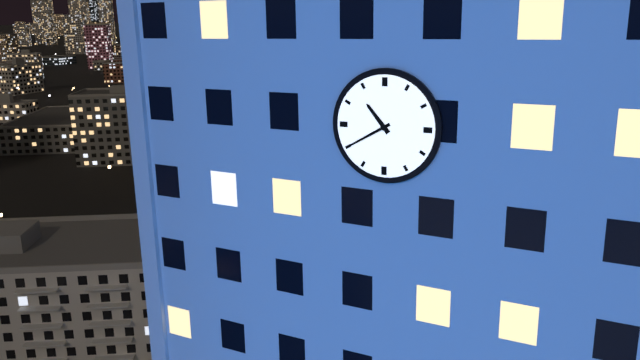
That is 10:40
